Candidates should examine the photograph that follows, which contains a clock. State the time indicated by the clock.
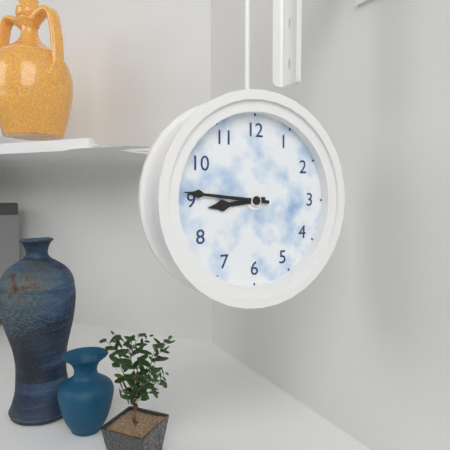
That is 8:46
